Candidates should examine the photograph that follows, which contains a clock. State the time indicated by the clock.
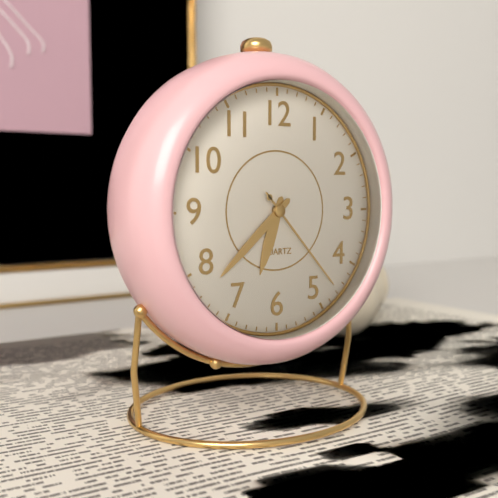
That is 6:38:23
